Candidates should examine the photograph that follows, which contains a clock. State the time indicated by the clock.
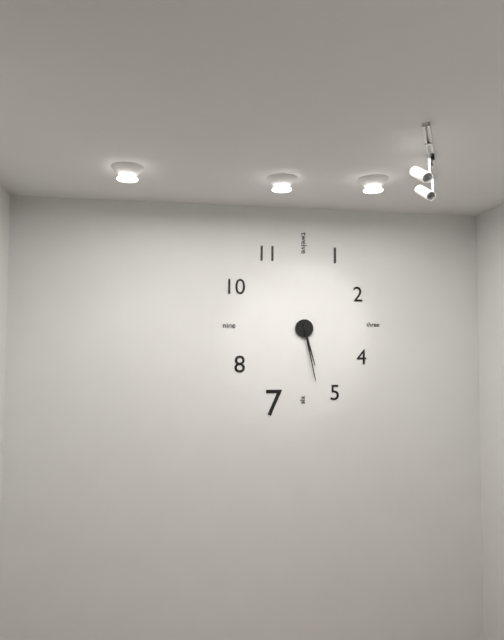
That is 5:28
